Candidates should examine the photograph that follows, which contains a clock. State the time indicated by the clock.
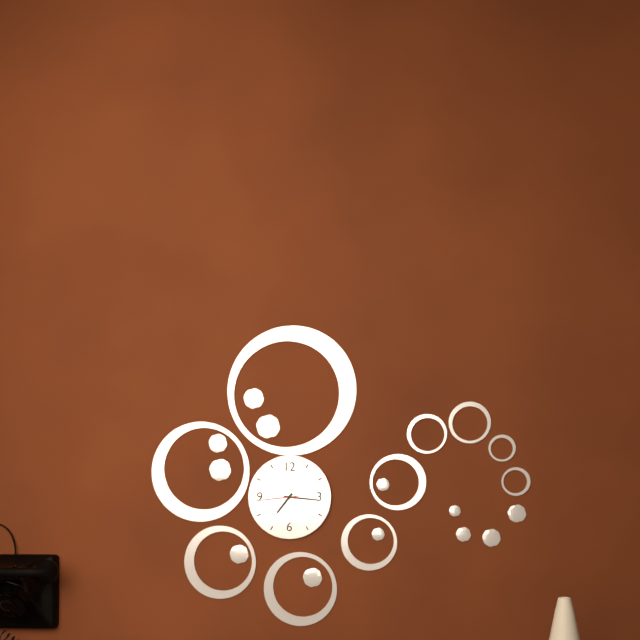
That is 7:16
